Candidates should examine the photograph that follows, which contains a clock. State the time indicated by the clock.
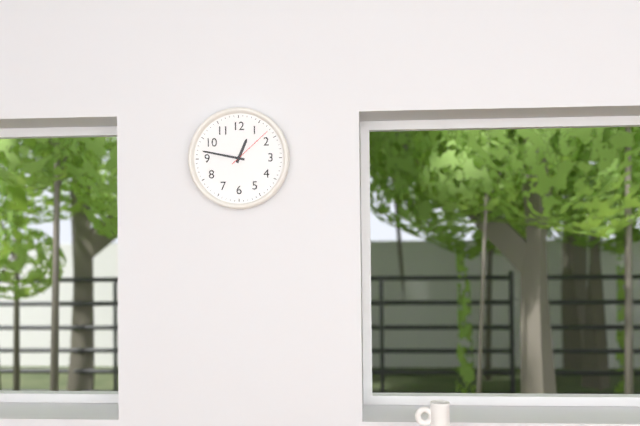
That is 12:47
